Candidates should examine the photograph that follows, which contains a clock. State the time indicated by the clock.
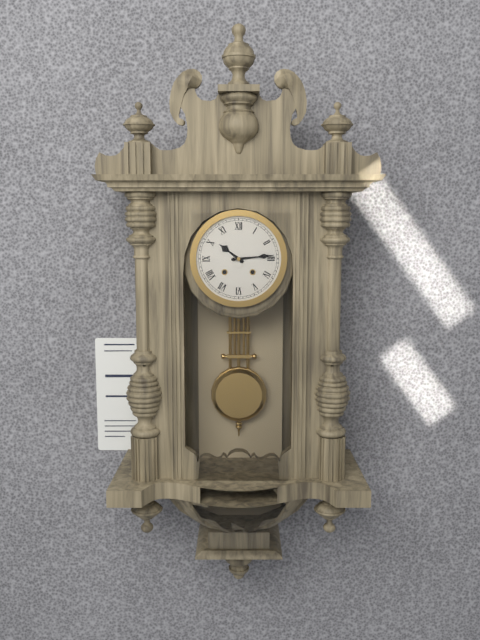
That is 10:14
